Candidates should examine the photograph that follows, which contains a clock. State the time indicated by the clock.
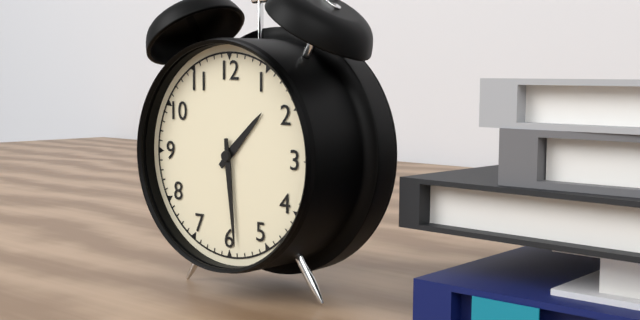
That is 1:29
